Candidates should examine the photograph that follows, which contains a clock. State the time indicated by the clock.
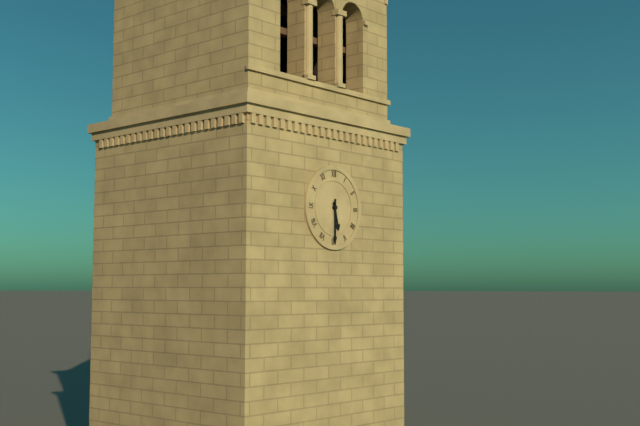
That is 5:30
